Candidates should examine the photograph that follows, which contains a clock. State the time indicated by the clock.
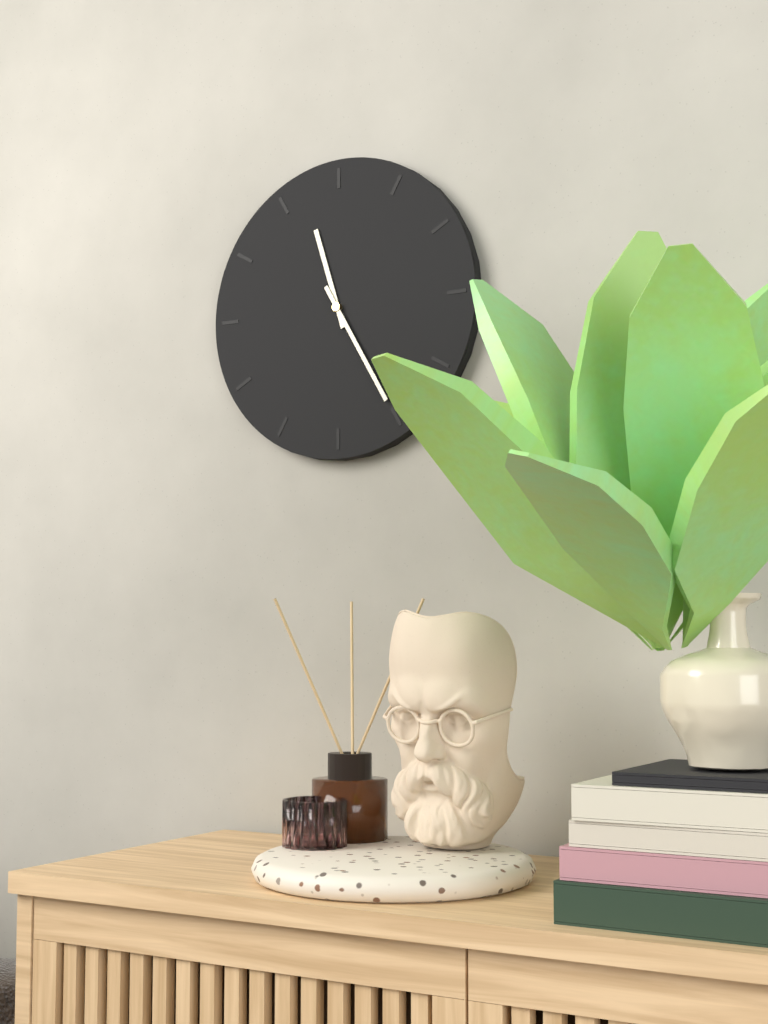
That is 11:25
